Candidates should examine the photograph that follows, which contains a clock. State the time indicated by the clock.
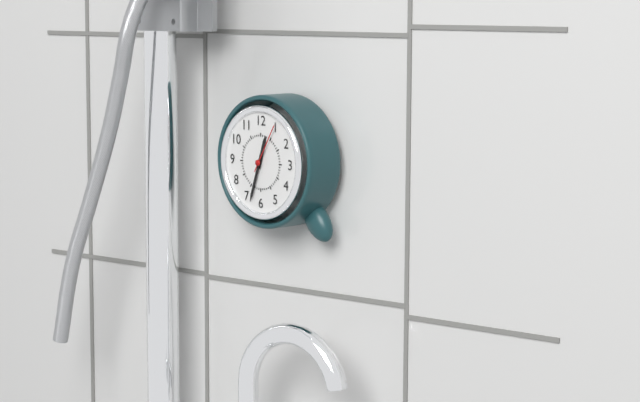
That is 12:33:05
